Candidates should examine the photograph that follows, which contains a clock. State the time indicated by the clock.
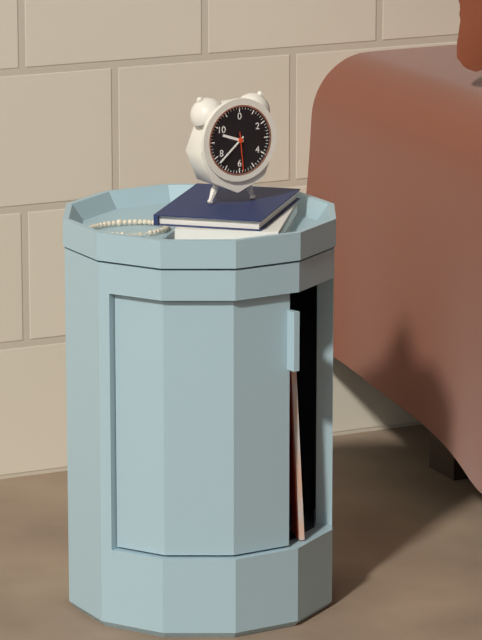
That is 9:38
